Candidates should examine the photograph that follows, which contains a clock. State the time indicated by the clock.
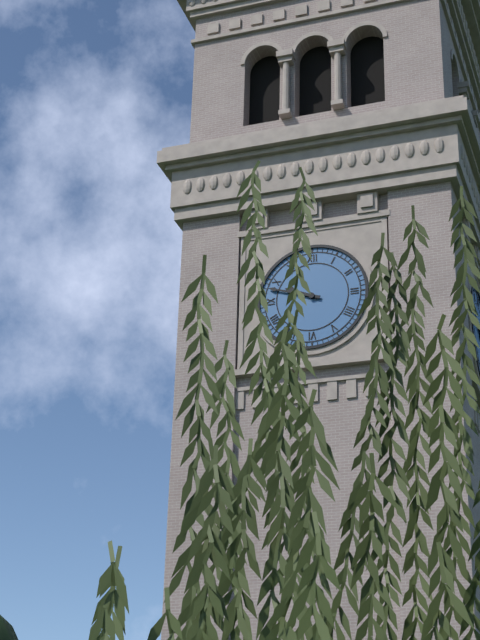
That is 9:48
